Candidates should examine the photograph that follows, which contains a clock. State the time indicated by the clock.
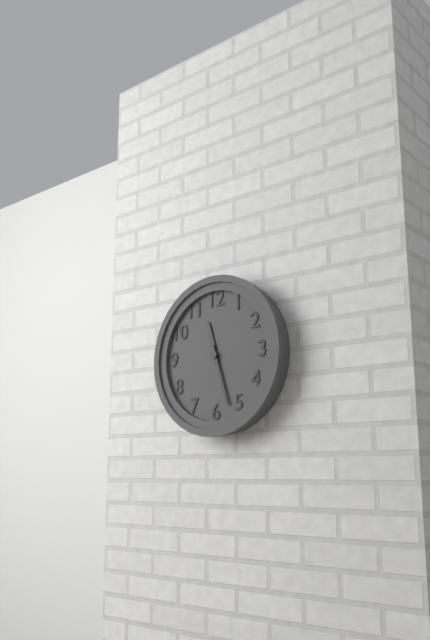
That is 11:27
